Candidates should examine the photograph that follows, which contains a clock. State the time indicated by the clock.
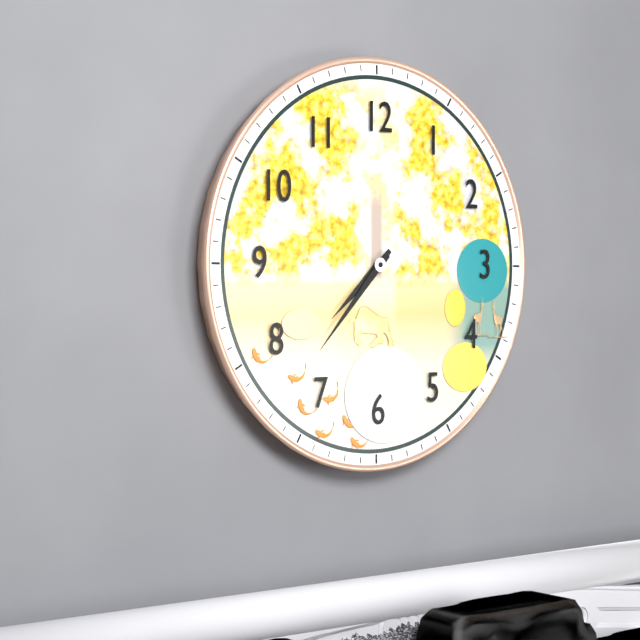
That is 7:37
